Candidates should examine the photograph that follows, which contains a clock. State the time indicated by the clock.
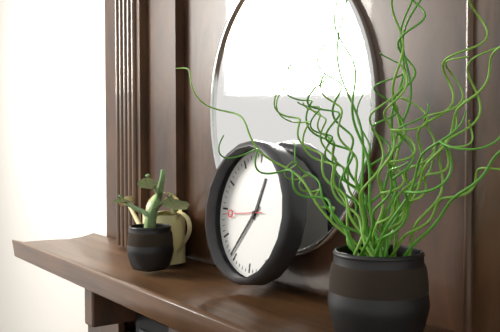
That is 12:36
